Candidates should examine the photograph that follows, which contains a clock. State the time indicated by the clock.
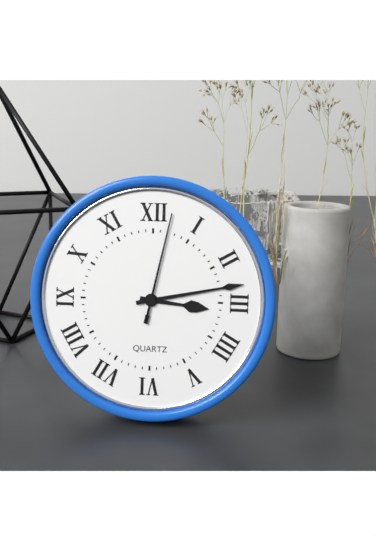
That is 3:13:02
